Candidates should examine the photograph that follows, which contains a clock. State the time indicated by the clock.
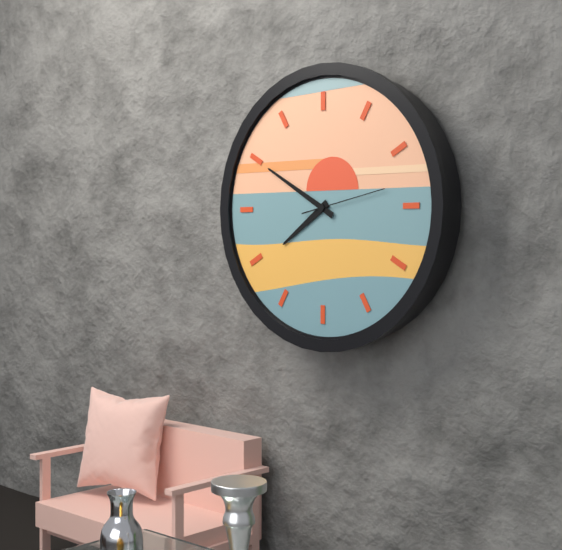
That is 7:50:13
